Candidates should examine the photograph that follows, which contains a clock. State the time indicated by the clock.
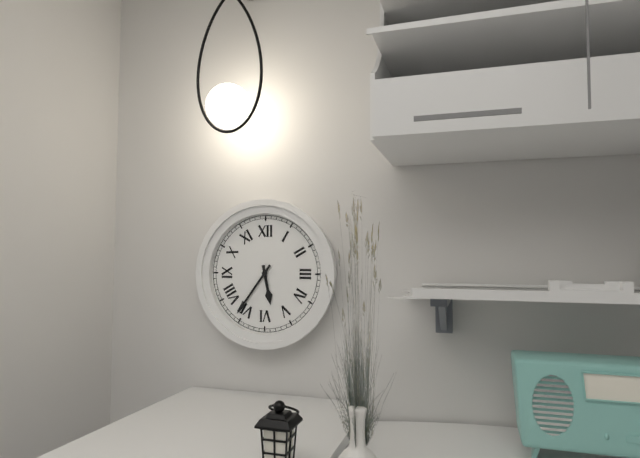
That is 5:36
